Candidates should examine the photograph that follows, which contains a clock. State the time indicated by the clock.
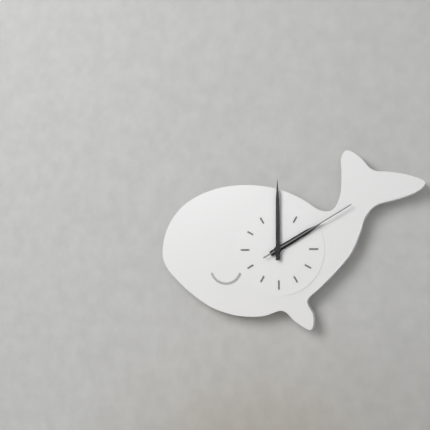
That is 2:00:10
